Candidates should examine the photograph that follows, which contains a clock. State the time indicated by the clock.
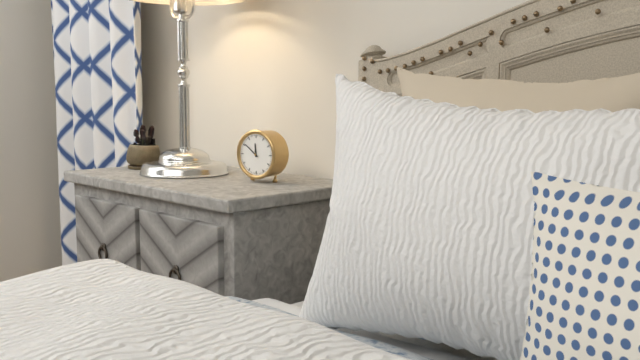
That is 11:51
